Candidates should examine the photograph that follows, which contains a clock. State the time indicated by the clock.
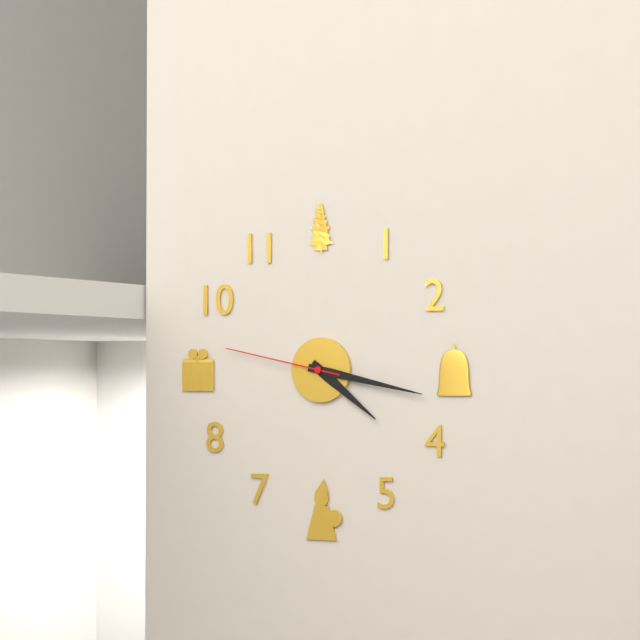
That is 4:17:47
